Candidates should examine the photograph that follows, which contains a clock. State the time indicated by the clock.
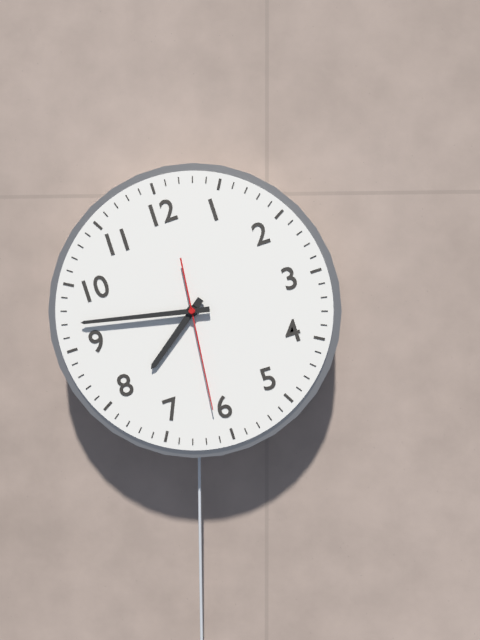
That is 7:47:31
